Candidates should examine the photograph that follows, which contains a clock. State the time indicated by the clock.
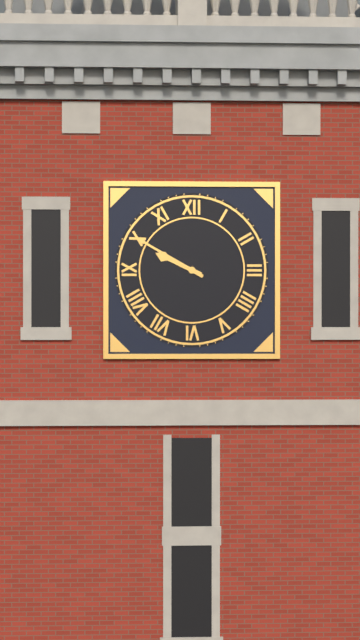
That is 9:50
